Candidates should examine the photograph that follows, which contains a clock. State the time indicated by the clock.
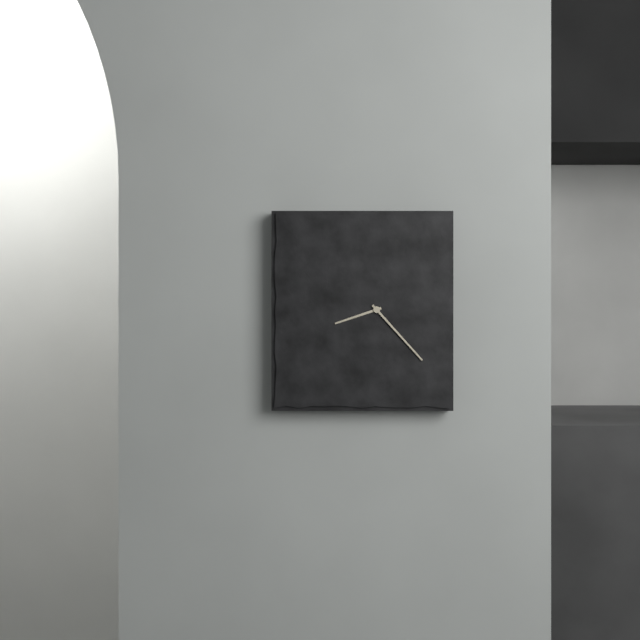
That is 8:23
